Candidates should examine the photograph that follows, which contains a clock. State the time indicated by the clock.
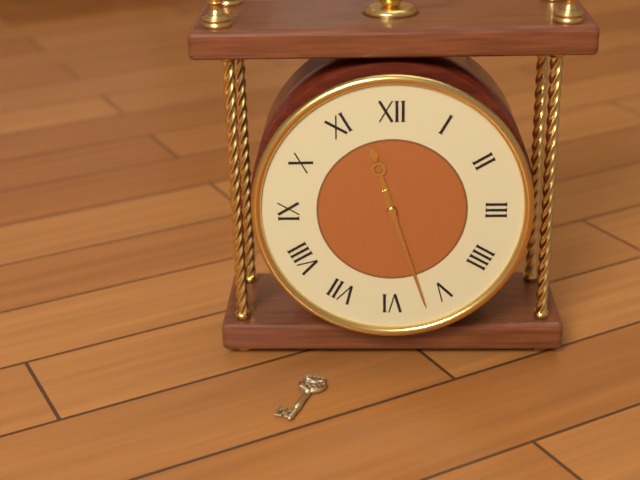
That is 11:27
